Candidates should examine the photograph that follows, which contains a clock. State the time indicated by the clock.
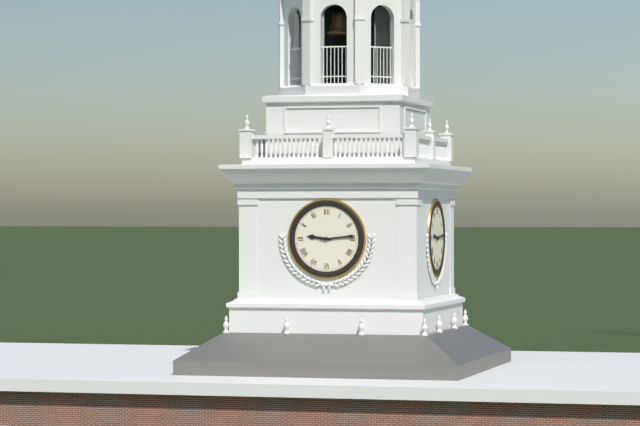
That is 9:14
